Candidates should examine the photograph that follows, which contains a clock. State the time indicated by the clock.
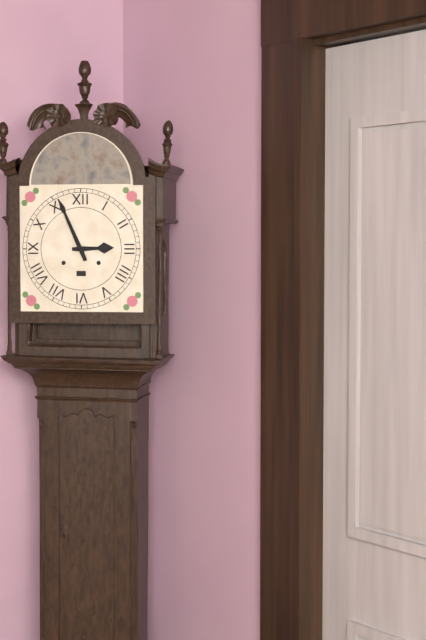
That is 2:56
